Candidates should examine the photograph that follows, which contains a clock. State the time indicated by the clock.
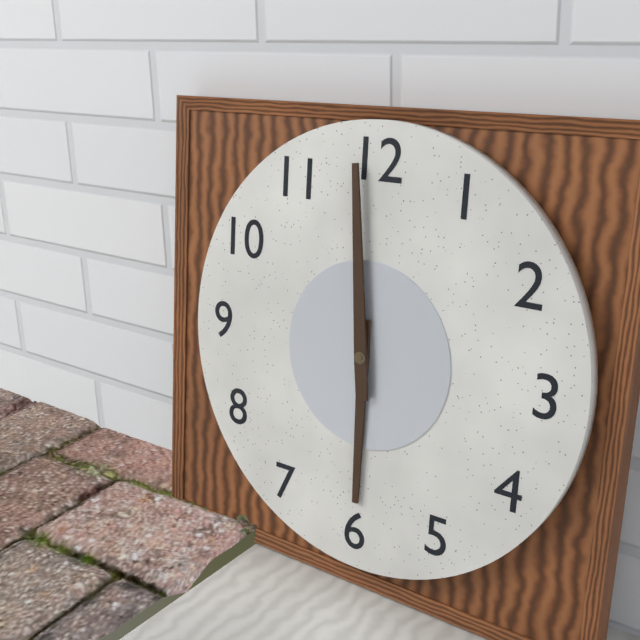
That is 5:59
